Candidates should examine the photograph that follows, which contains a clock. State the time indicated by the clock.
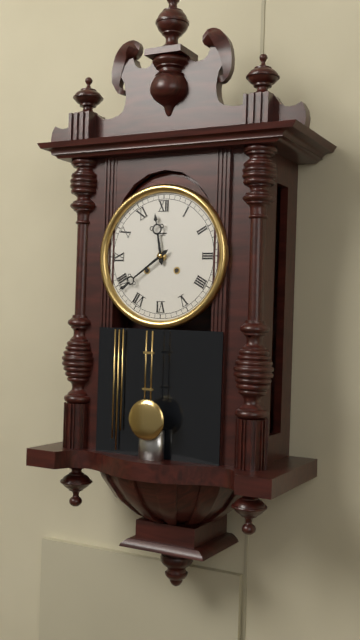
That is 11:39
